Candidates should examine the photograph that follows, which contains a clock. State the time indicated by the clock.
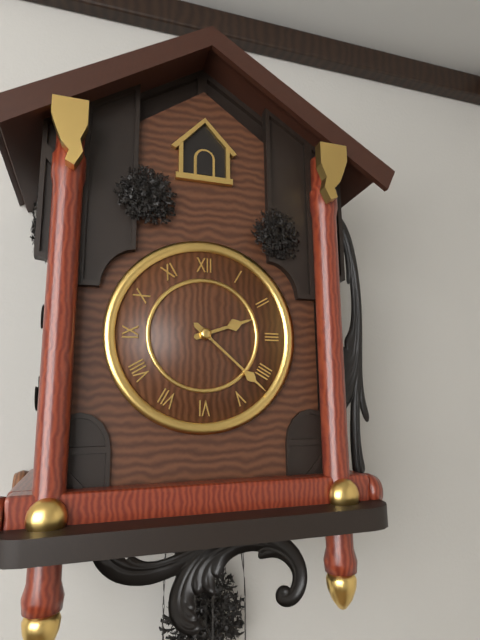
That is 2:22
